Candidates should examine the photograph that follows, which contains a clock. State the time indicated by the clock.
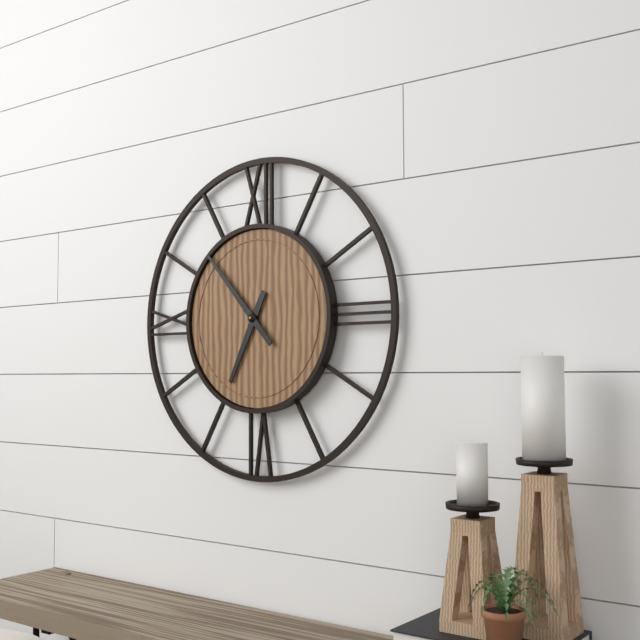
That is 6:53
